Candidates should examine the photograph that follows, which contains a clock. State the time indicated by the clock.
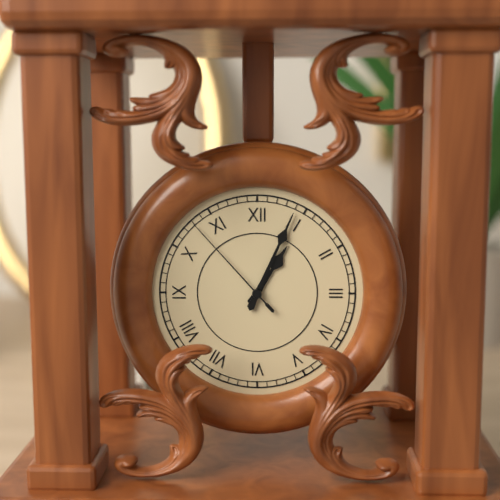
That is 1:04:53
